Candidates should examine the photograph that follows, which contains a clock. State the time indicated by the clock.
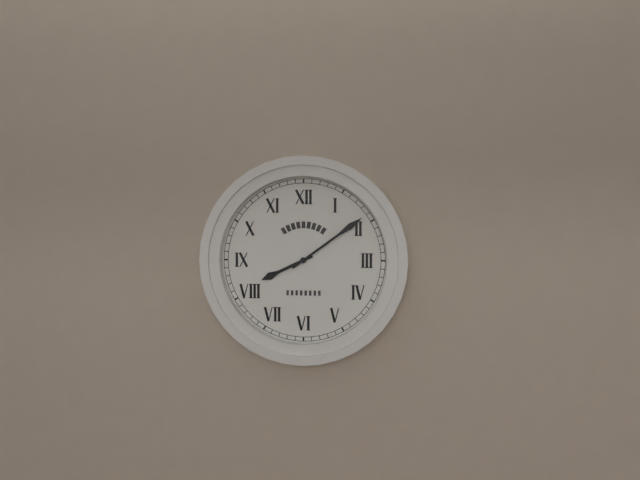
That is 8:09
